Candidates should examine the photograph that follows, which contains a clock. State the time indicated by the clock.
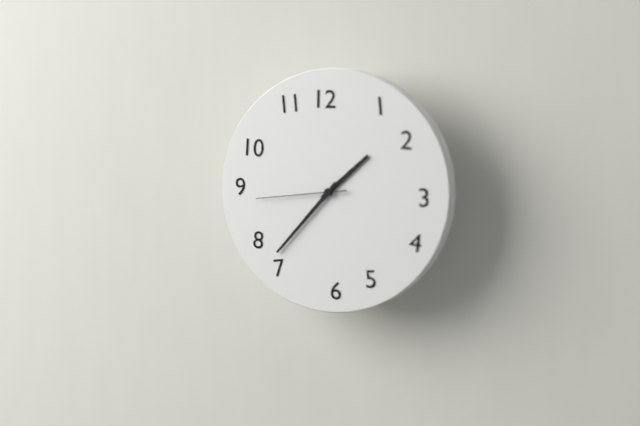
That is 1:37:44
